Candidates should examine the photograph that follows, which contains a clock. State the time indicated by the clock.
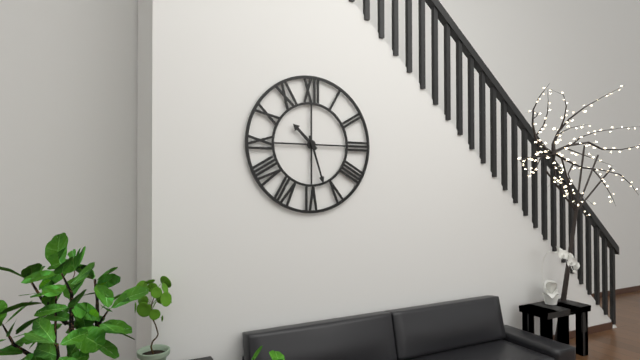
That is 10:27
